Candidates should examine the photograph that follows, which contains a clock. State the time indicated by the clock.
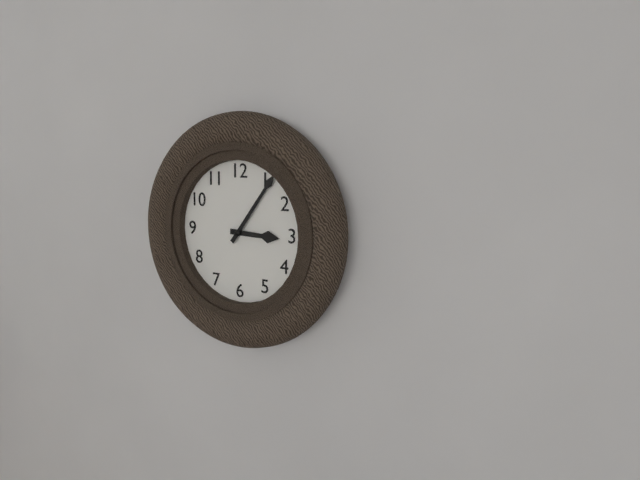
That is 3:06
